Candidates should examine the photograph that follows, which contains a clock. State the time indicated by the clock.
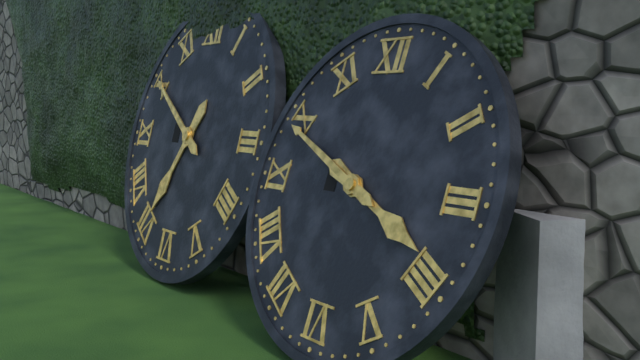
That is 3:49
